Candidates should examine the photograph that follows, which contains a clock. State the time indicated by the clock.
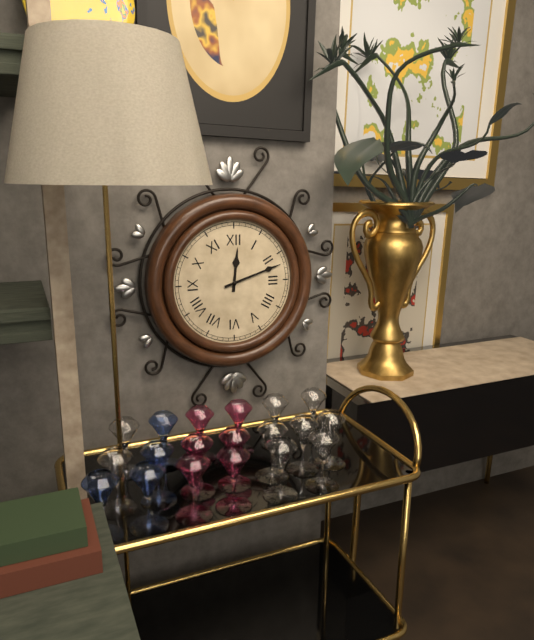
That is 12:12
